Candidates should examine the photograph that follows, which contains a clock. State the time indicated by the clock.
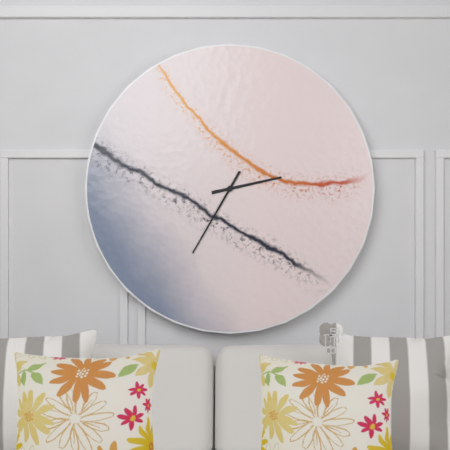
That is 2:35
